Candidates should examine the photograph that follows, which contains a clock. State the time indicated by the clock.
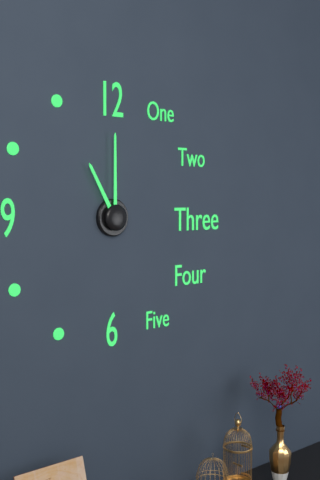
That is 11:00
